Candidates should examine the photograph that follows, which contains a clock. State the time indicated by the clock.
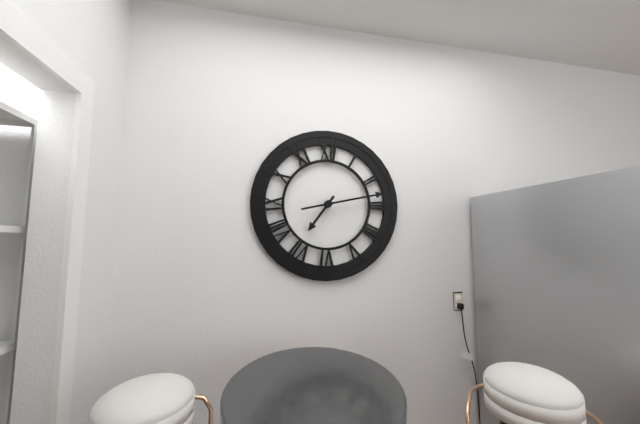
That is 7:13:13
